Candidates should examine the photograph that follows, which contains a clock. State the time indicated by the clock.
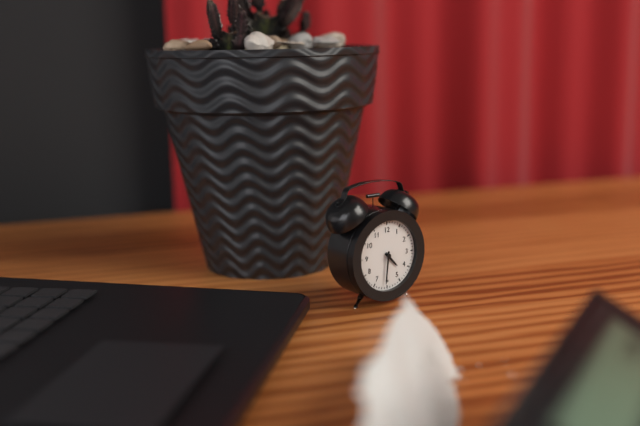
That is 4:31
